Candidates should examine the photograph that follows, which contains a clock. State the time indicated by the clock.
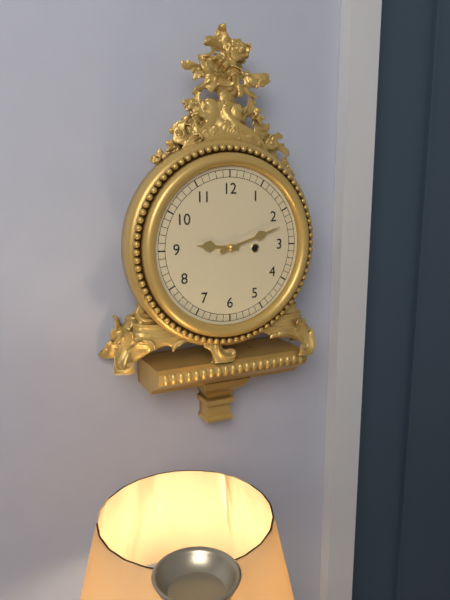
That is 9:12
